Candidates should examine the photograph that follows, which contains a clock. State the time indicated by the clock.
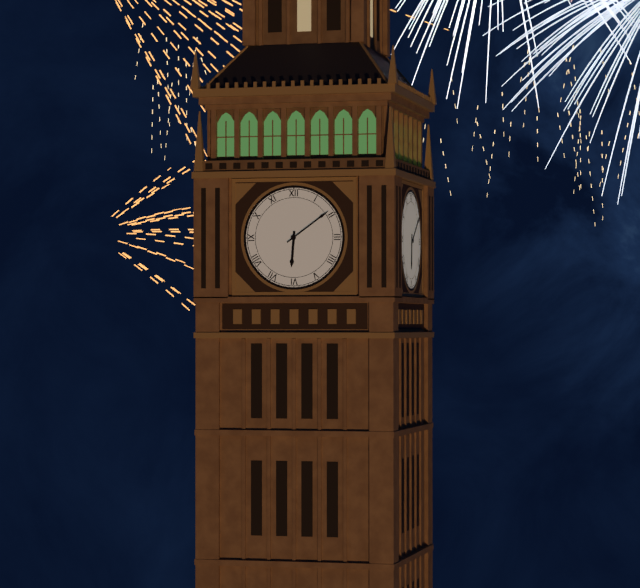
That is 6:09
